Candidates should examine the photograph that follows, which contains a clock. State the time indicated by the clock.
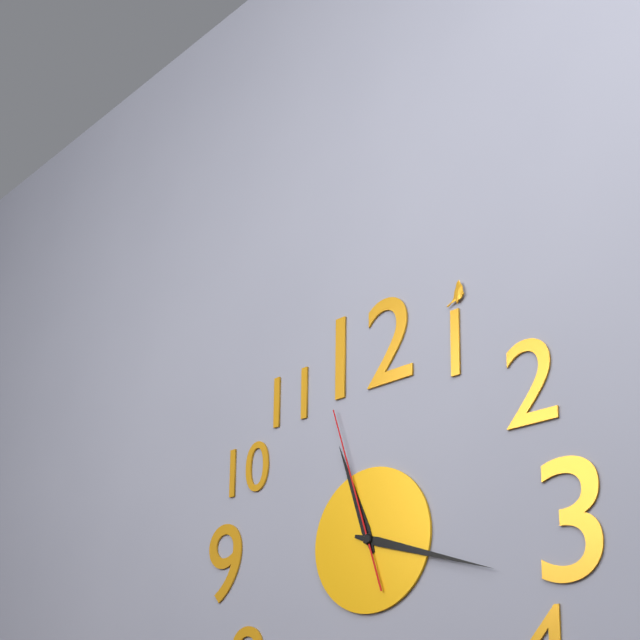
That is 11:18:57
